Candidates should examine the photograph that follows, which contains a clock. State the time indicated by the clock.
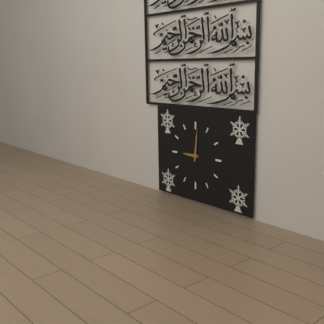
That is 9:01
